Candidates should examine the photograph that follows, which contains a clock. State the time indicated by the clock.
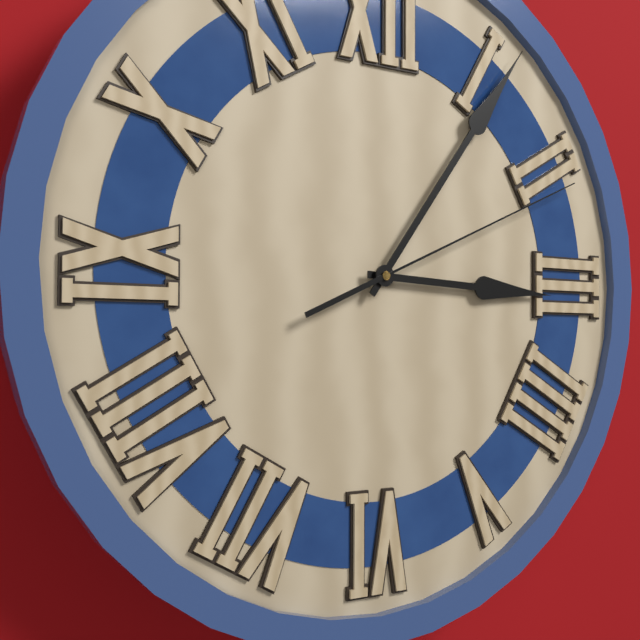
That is 3:06:11
